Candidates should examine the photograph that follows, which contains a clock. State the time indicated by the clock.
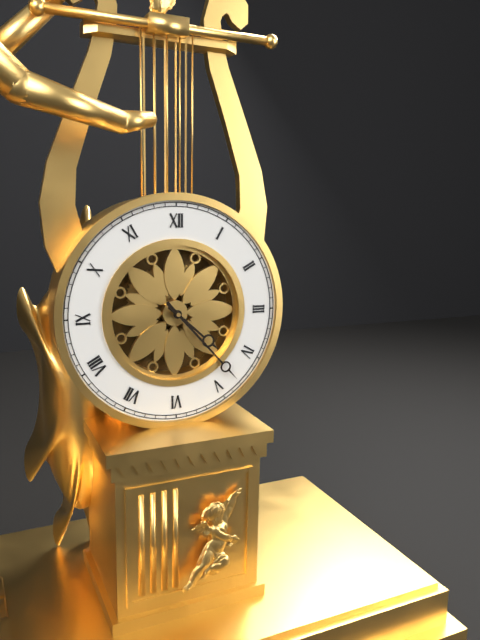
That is 4:23
